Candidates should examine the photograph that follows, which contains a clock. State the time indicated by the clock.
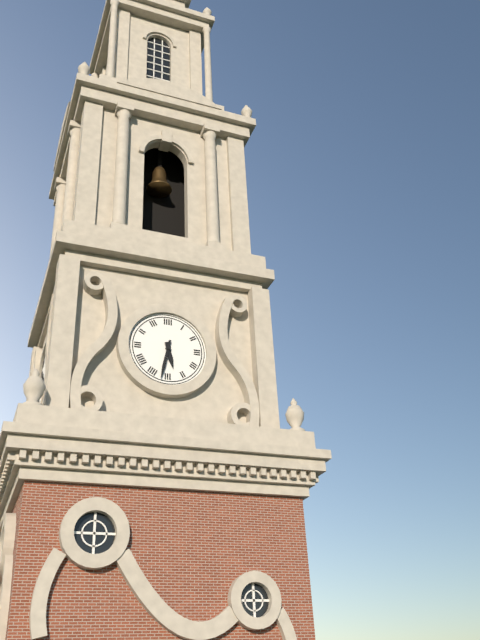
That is 5:32
